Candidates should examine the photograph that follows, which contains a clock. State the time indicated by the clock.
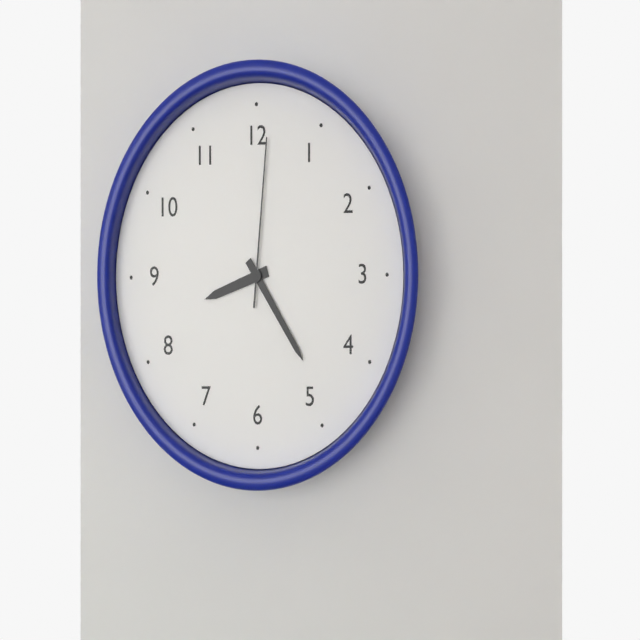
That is 8:24:01
